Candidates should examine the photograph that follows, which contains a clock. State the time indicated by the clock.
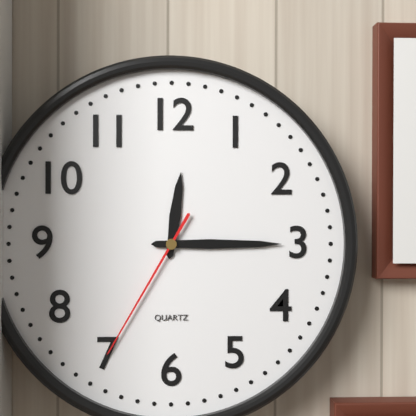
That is 12:15:35
